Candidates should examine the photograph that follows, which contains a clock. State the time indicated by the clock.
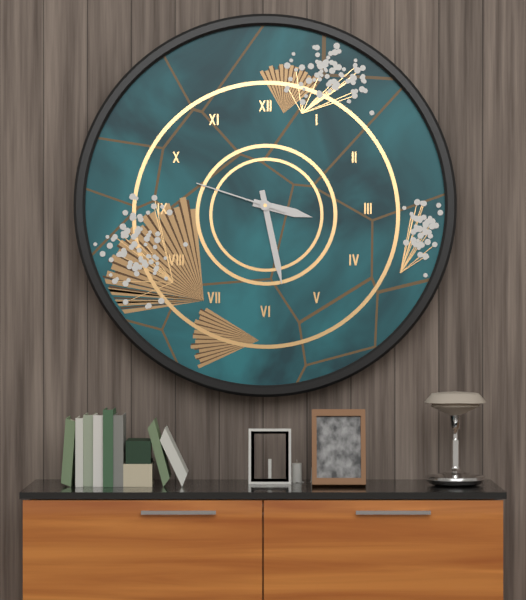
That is 3:28:48
